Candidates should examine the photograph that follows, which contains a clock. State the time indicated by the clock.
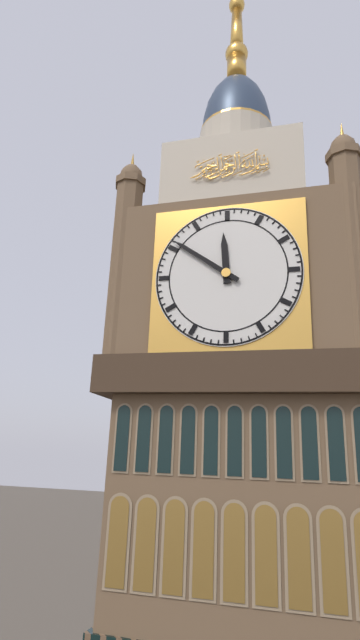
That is 11:51
